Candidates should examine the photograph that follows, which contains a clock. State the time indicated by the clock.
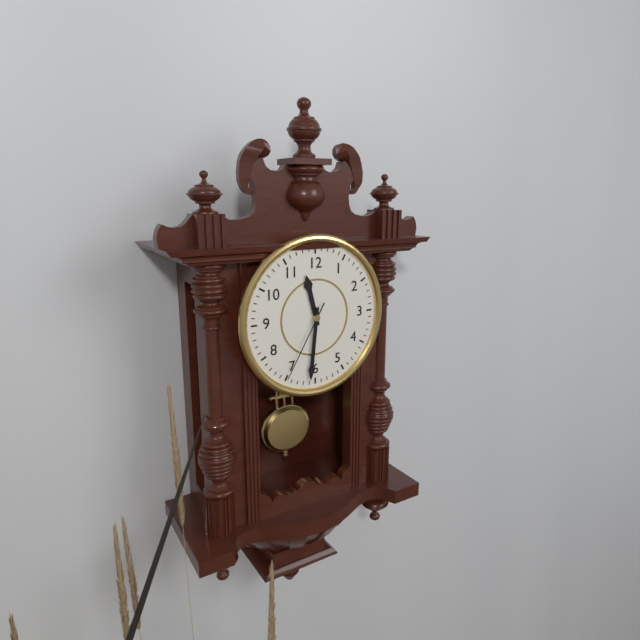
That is 11:31:35
